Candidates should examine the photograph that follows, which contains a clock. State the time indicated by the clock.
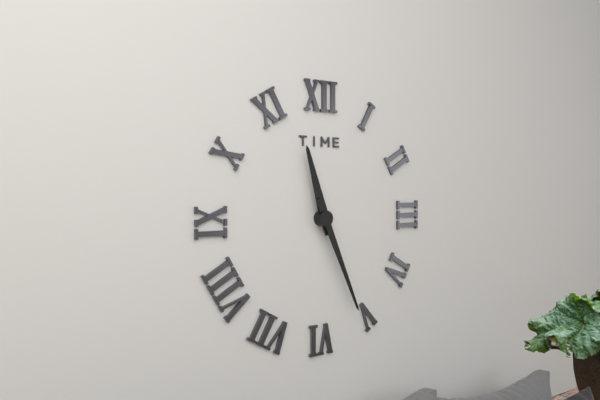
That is 11:26
